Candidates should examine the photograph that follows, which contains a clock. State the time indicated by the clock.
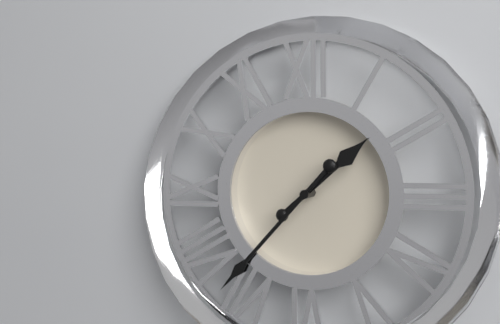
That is 1:37
